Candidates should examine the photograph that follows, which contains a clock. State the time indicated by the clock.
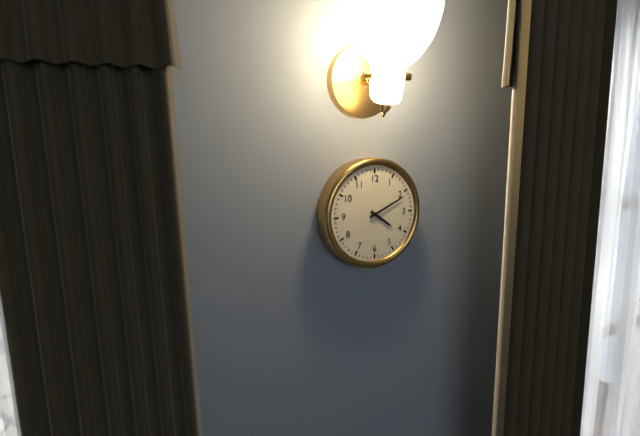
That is 4:11
